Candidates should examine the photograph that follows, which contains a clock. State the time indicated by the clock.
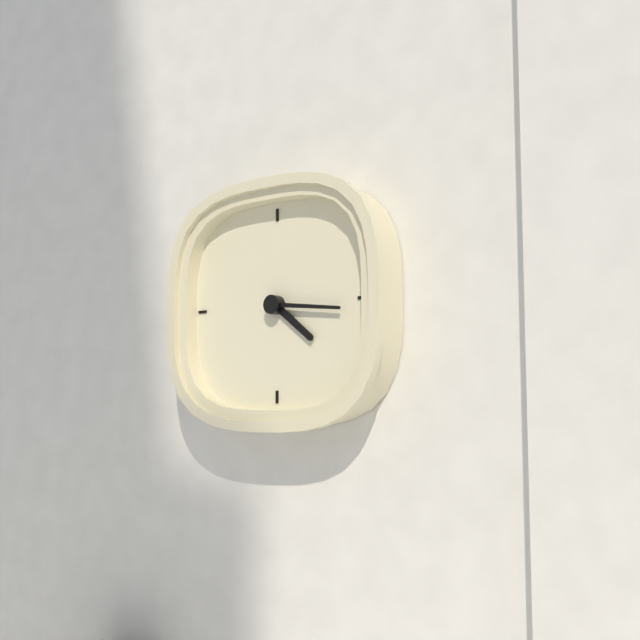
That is 4:16
